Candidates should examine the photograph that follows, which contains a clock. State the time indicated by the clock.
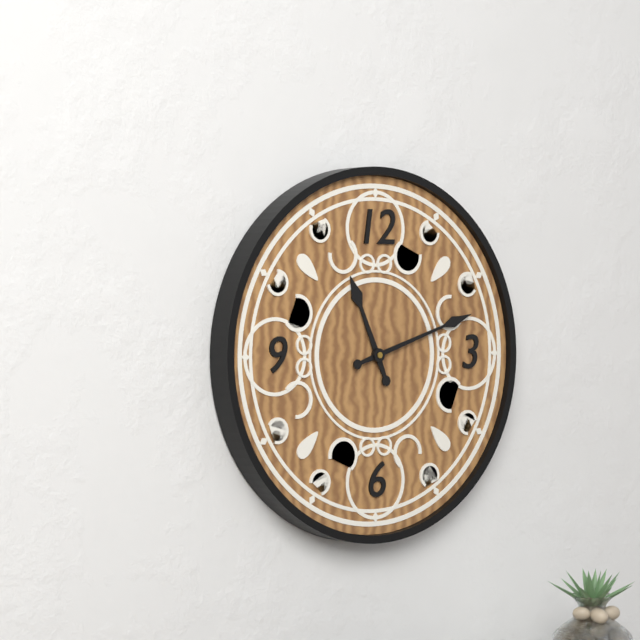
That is 11:12
